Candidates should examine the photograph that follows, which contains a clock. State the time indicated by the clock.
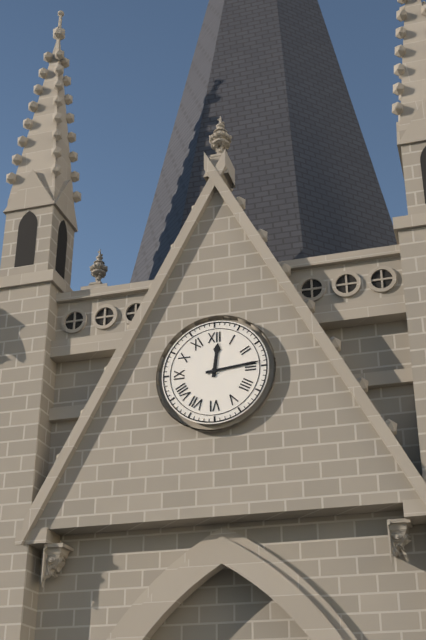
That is 12:14
